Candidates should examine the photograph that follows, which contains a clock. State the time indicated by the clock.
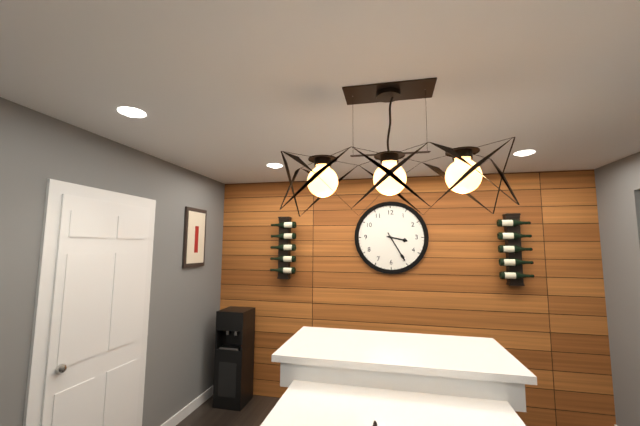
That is 3:25
